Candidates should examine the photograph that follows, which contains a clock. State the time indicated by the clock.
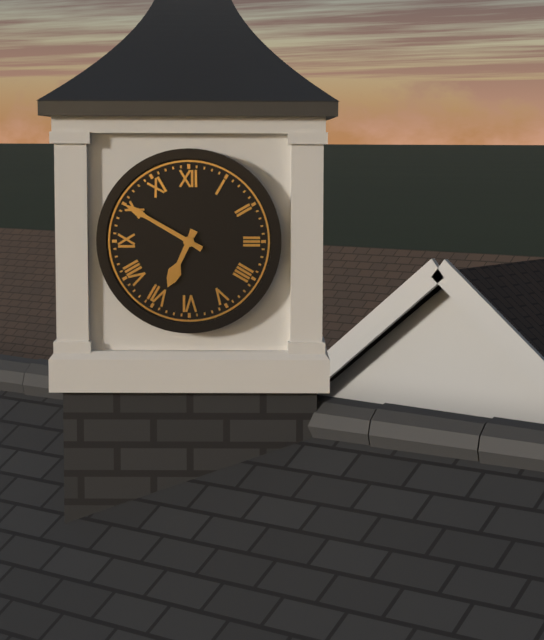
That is 6:50
